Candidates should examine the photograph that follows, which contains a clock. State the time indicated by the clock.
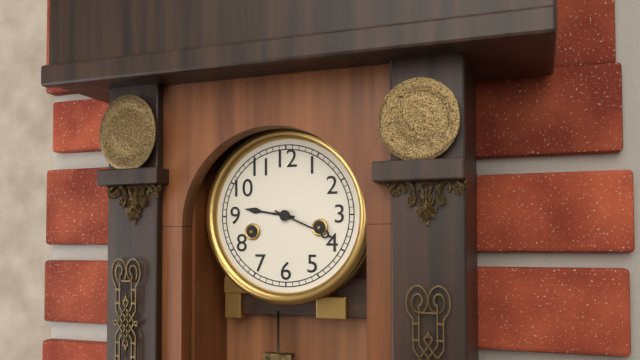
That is 9:19
